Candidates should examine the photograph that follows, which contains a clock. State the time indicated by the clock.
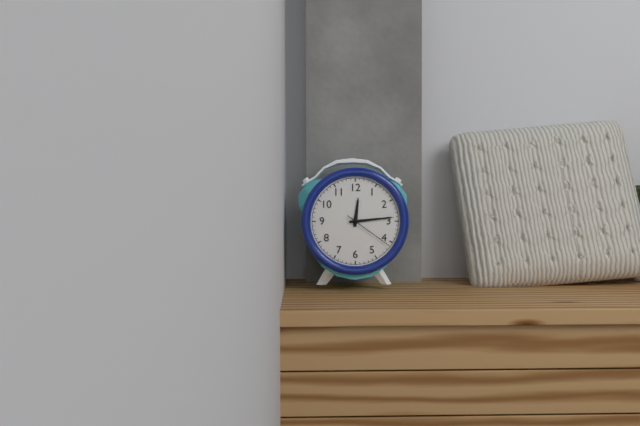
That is 12:14:21
